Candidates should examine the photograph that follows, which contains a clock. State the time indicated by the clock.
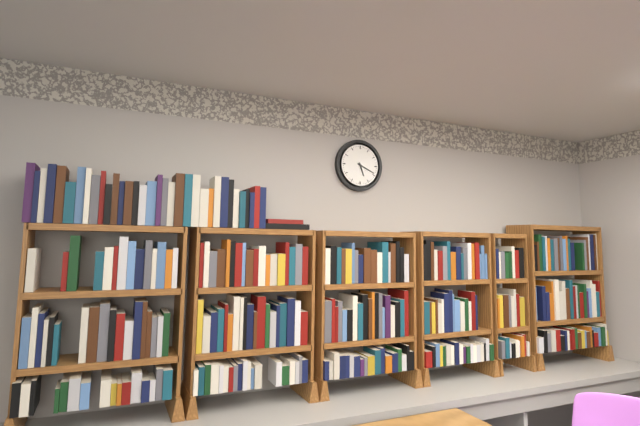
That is 5:19
